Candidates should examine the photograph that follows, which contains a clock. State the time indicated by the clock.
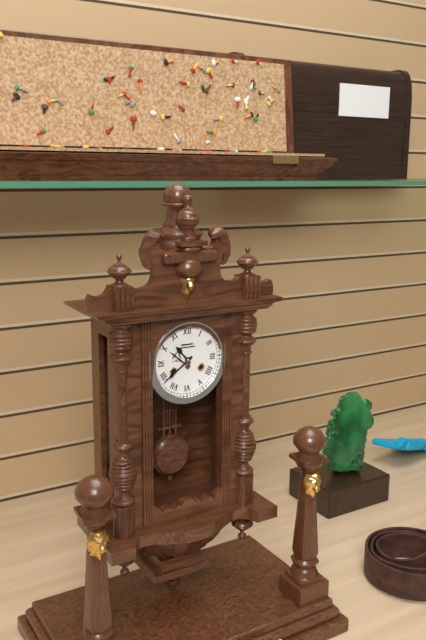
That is 10:39
